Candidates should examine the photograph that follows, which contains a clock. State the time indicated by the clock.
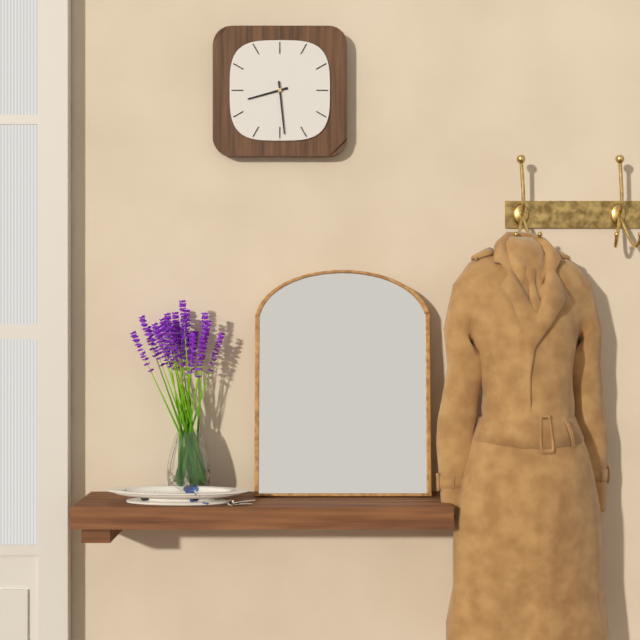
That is 8:29
